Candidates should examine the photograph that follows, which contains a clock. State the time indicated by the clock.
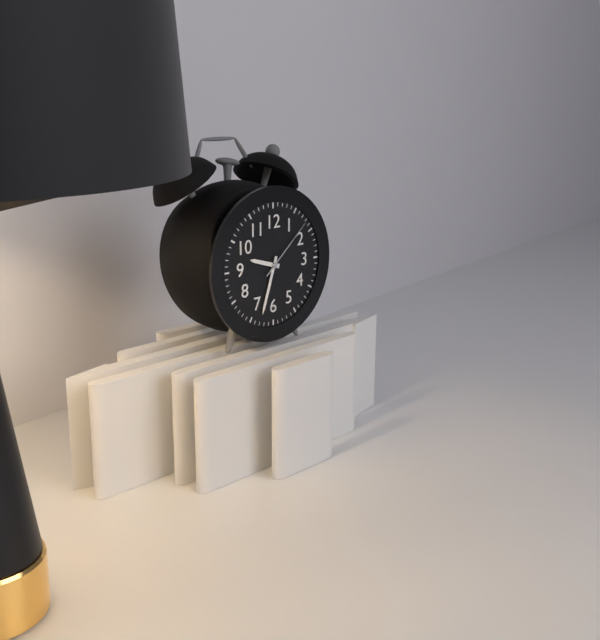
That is 9:33:08
